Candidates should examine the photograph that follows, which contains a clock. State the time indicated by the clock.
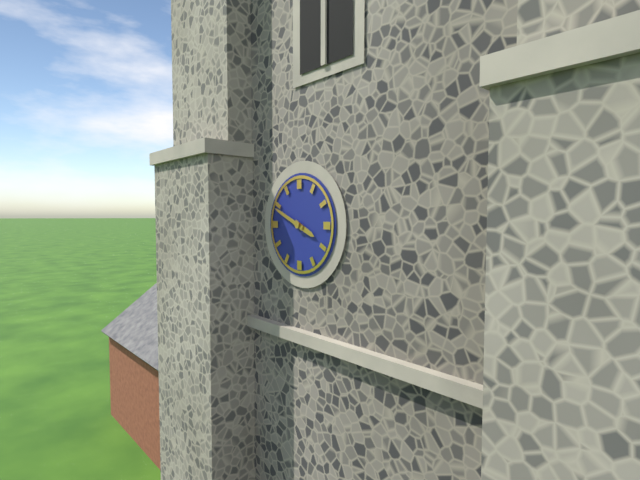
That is 3:49
